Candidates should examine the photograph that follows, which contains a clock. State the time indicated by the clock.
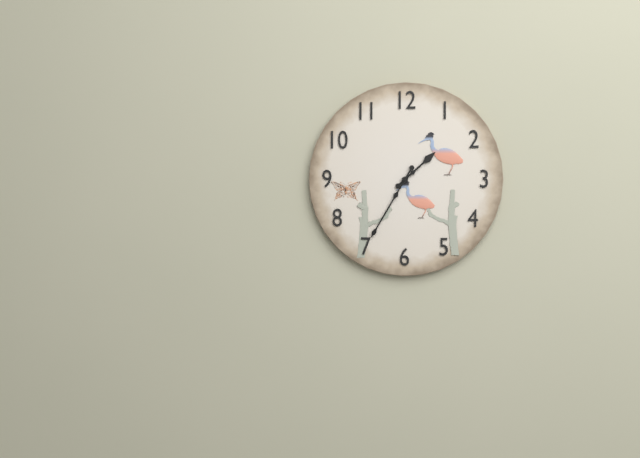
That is 1:35
